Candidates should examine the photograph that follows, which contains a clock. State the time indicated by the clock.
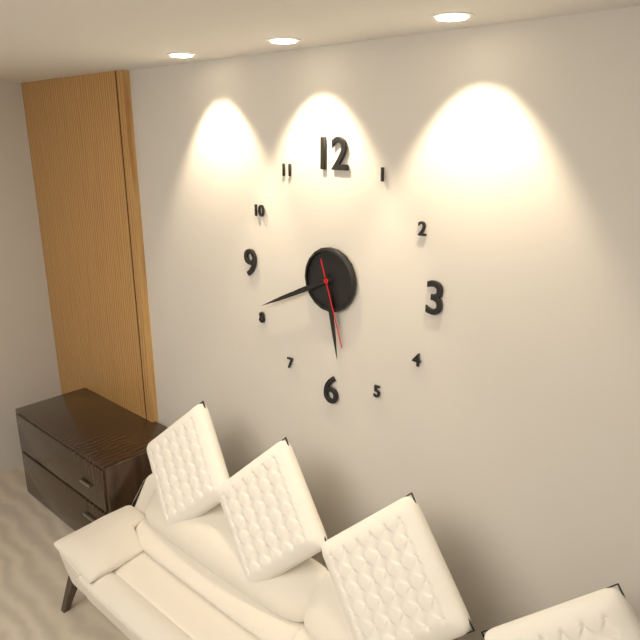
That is 5:41:27
